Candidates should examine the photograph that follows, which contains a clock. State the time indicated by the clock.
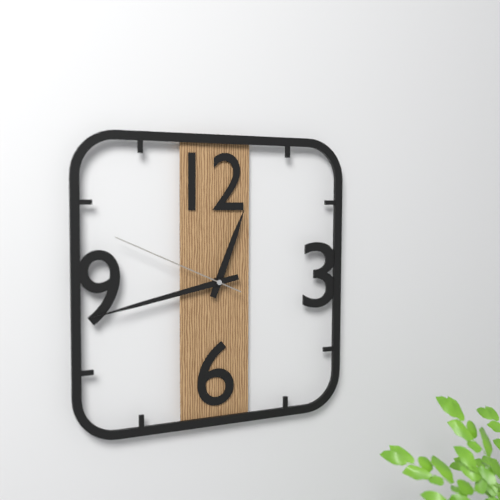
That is 12:43:49
